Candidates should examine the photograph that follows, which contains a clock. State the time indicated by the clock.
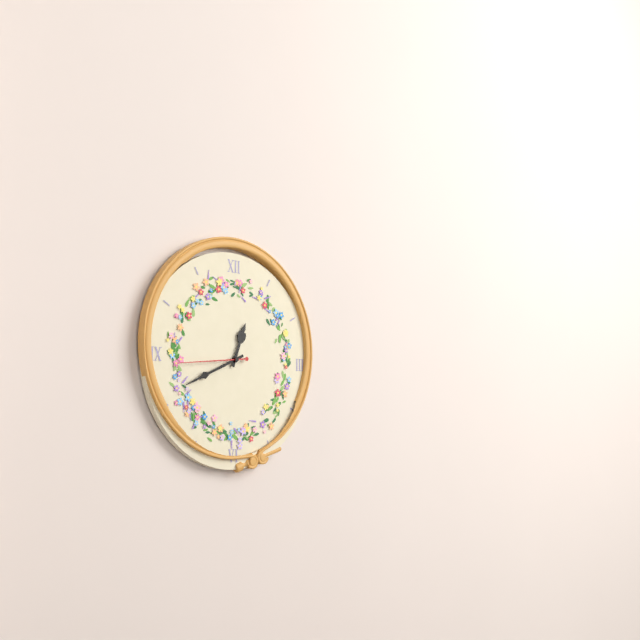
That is 12:41:44
